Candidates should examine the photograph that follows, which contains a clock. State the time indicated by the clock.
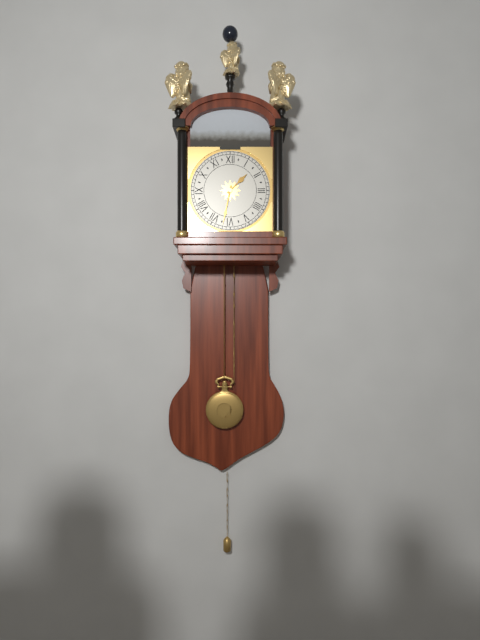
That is 1:32
